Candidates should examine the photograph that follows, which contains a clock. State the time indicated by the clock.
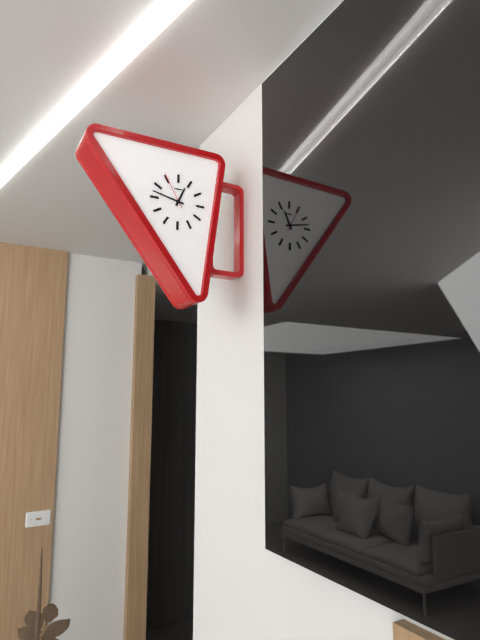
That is 12:47
